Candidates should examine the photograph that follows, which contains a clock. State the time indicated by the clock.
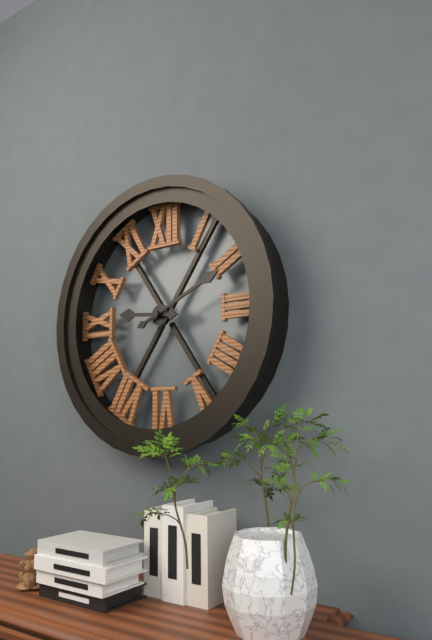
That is 9:11
